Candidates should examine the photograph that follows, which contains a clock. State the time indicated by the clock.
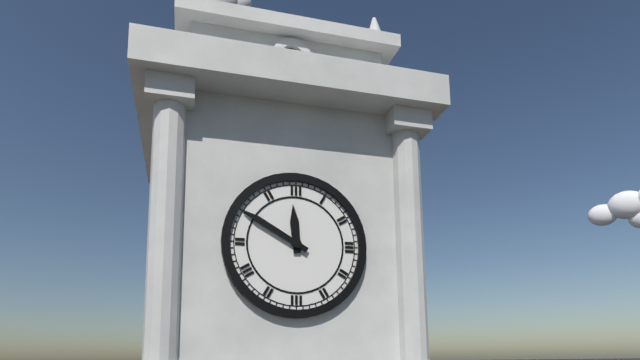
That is 11:50
